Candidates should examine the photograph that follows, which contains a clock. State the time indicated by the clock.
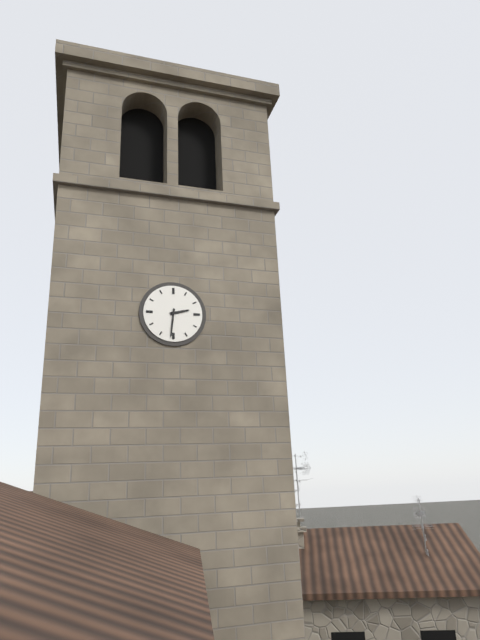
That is 2:31
